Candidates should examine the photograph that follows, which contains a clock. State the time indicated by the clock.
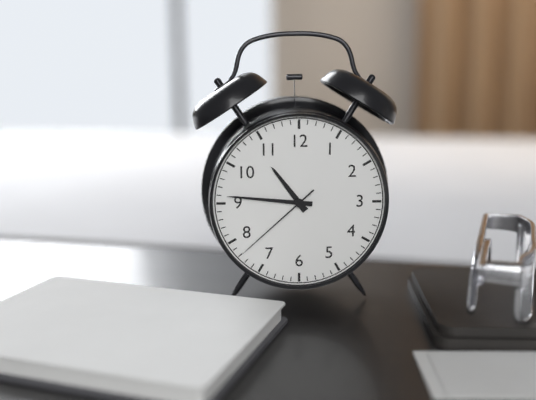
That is 10:46:38
